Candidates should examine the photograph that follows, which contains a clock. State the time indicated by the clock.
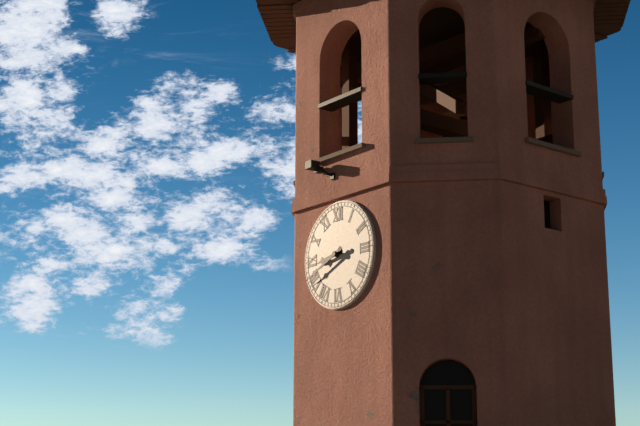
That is 8:41
